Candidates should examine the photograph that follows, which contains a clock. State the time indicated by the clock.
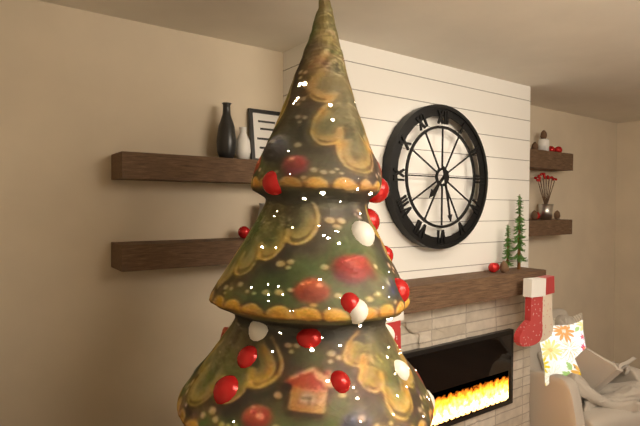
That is 7:28
